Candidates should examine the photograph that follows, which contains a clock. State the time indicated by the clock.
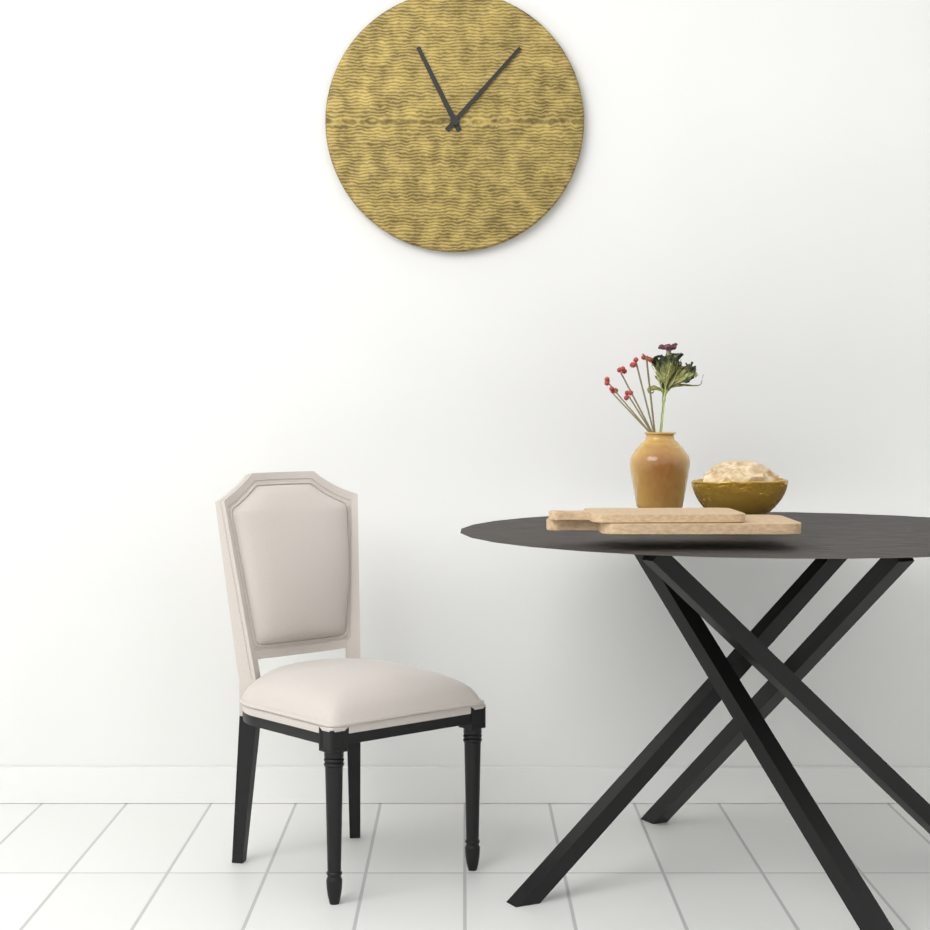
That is 11:07
